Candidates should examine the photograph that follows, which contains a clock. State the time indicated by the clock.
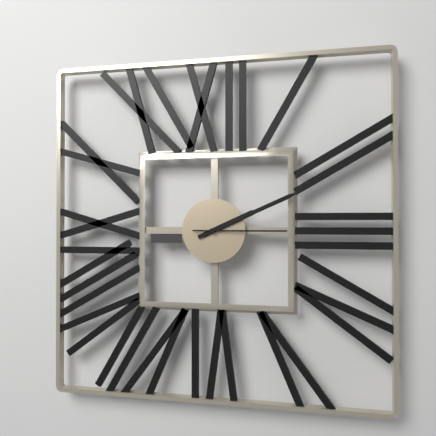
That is 2:11:15
